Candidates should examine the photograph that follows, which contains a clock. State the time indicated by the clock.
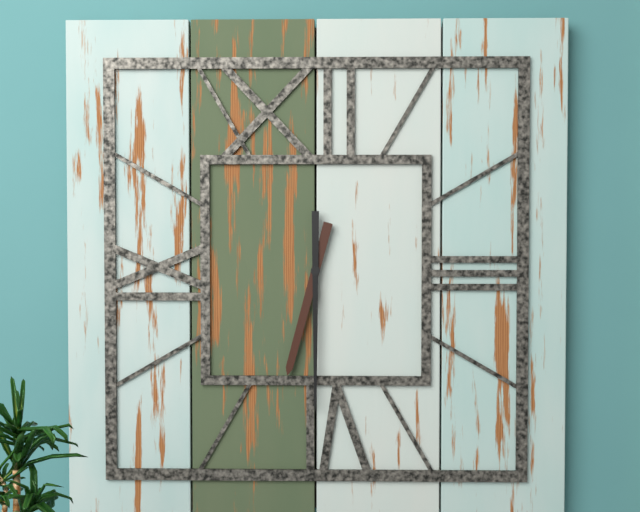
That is 6:30
